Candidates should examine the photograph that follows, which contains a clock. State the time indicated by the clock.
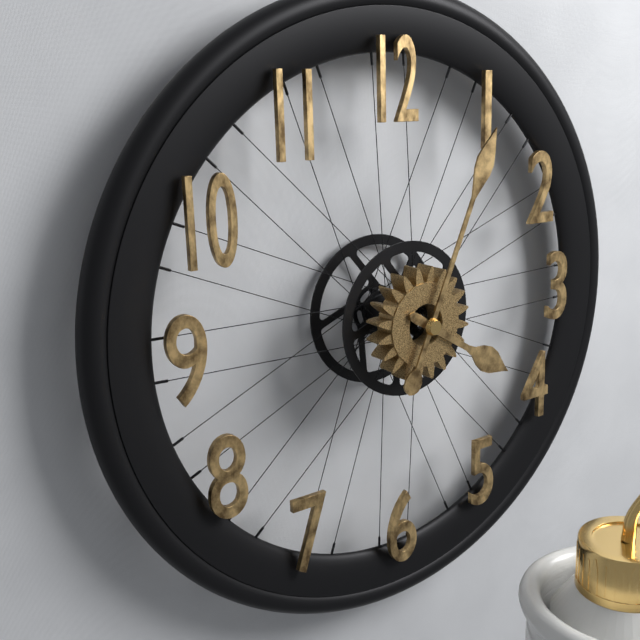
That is 4:04
